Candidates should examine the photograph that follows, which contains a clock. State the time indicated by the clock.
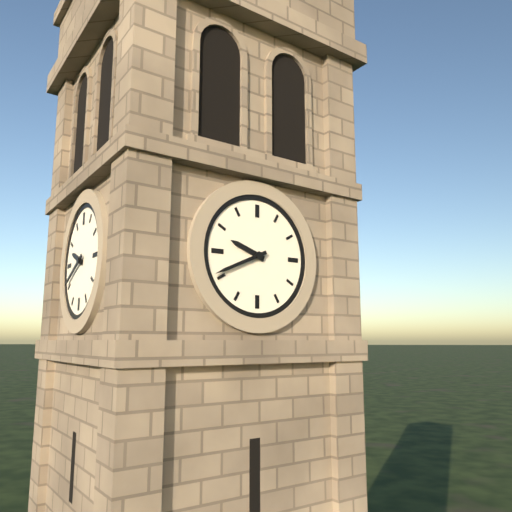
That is 9:41
